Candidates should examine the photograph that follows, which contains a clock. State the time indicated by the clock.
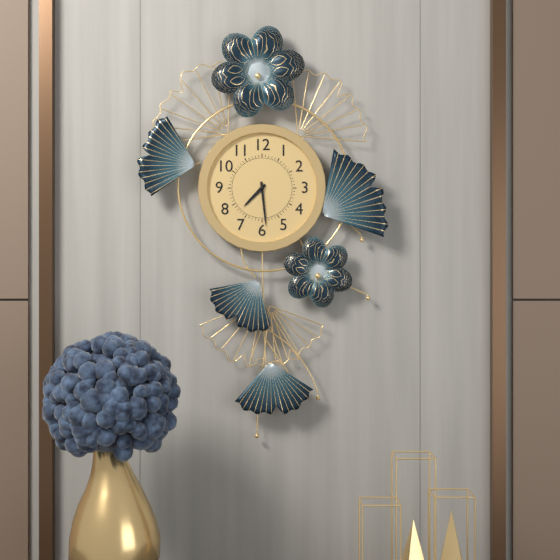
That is 7:29
